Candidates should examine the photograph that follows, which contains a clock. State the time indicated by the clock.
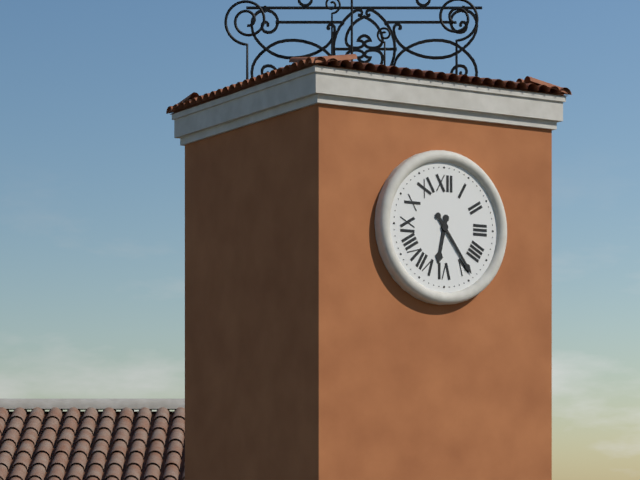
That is 6:24
